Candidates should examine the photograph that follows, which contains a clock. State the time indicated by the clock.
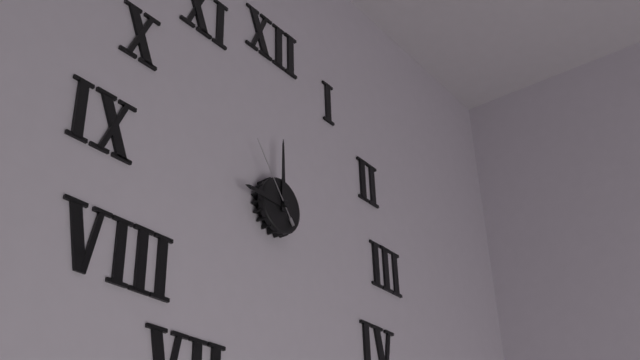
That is 9:00:54
